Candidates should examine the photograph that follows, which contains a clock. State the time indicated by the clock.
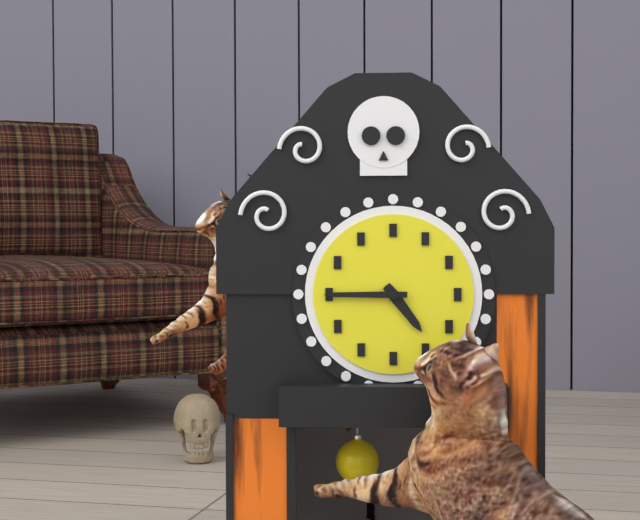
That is 4:45
